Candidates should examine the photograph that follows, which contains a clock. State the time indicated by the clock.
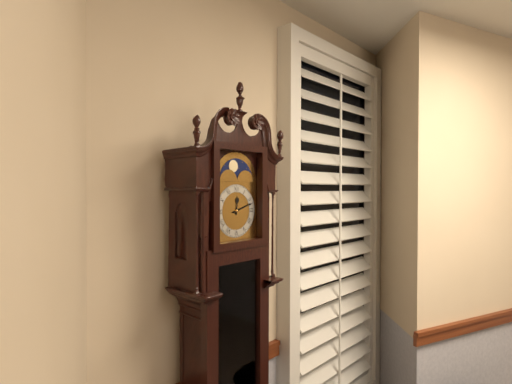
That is 12:12
